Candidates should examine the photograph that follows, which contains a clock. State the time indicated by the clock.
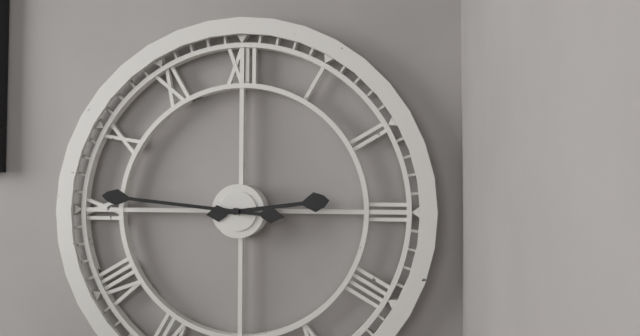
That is 2:46
